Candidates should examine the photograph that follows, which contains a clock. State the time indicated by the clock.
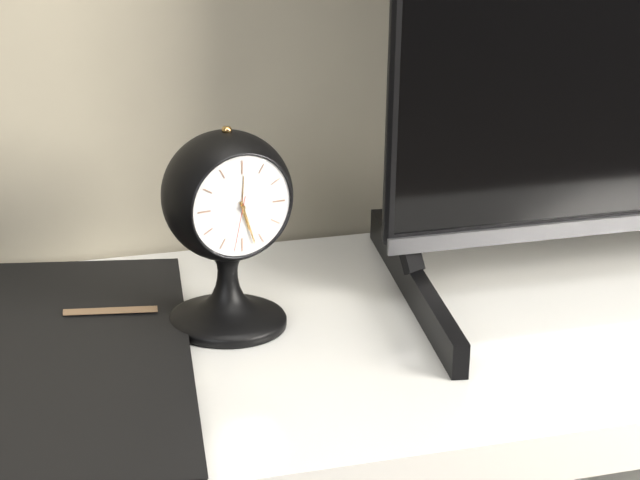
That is 5:27:32
